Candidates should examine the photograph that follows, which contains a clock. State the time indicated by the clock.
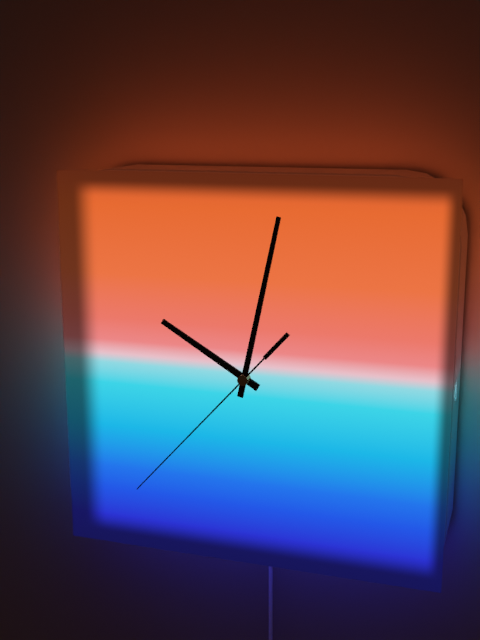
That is 10:02:37
